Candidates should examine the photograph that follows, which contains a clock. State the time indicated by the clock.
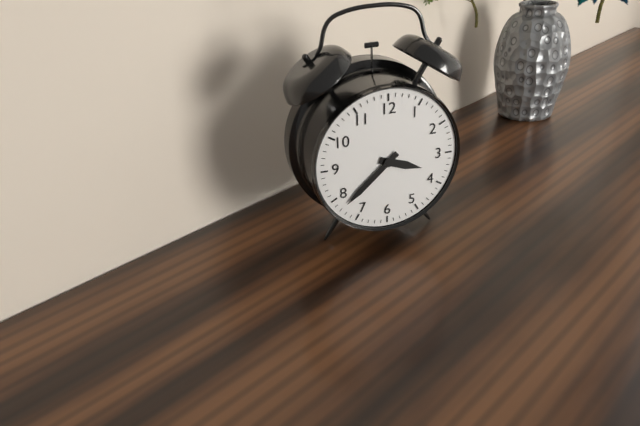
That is 3:38
